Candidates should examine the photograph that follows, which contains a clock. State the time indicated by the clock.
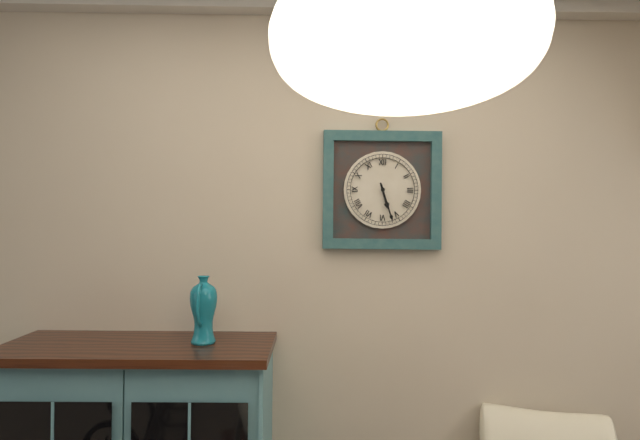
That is 5:27
